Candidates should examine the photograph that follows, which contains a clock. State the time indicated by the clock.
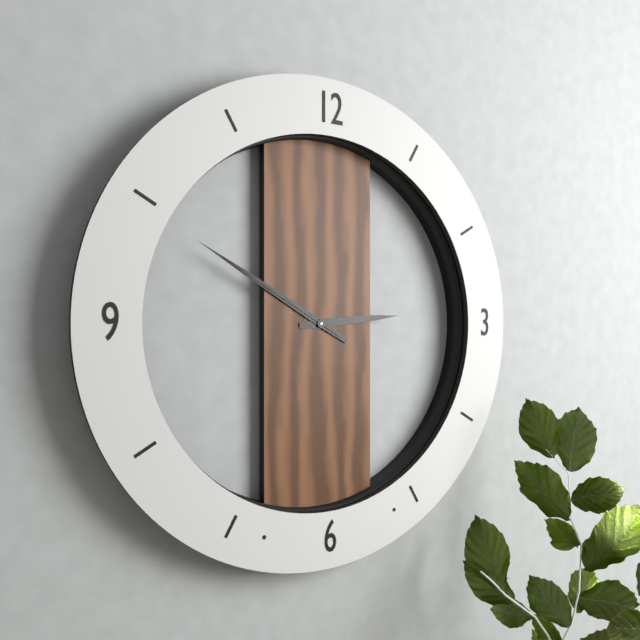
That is 2:50:50
